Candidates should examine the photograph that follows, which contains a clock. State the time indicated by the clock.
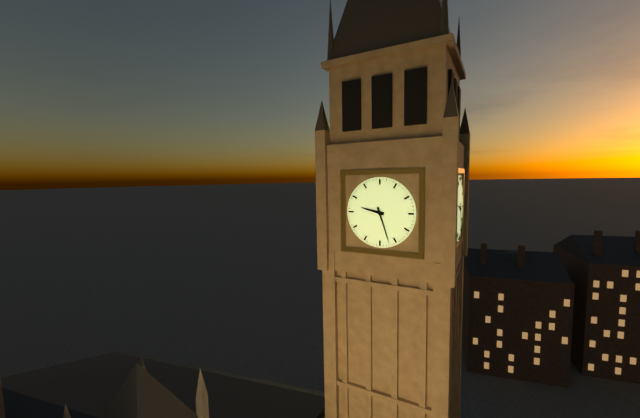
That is 9:27
